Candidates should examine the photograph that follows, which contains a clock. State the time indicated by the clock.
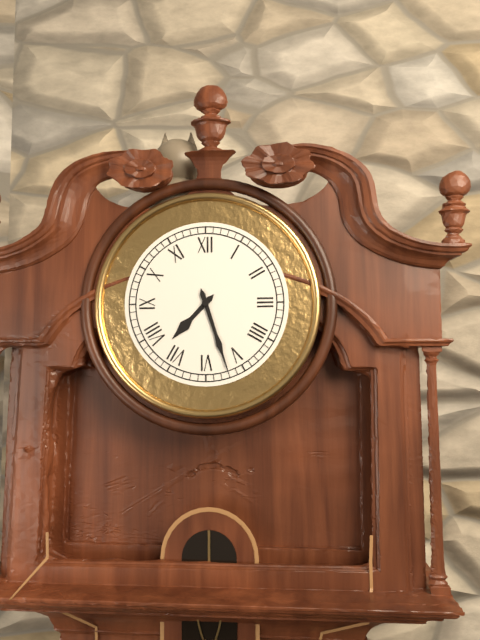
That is 7:27
